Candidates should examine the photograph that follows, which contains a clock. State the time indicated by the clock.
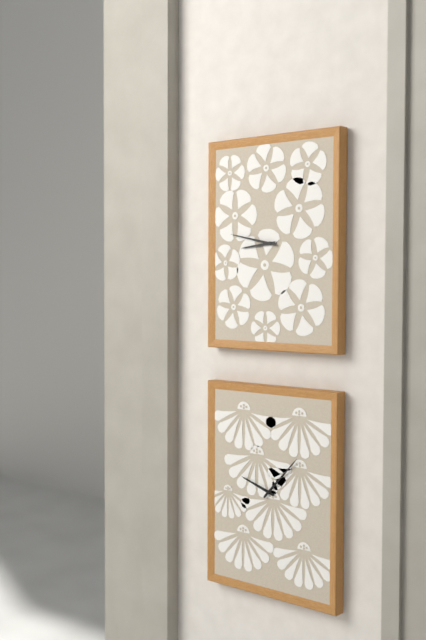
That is 8:47
